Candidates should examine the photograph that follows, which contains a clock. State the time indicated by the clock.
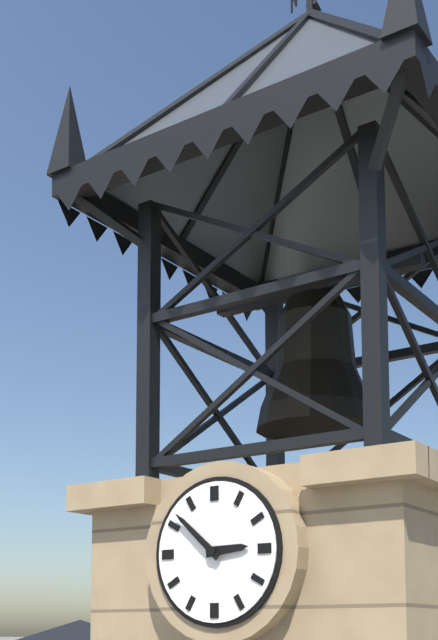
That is 2:52
